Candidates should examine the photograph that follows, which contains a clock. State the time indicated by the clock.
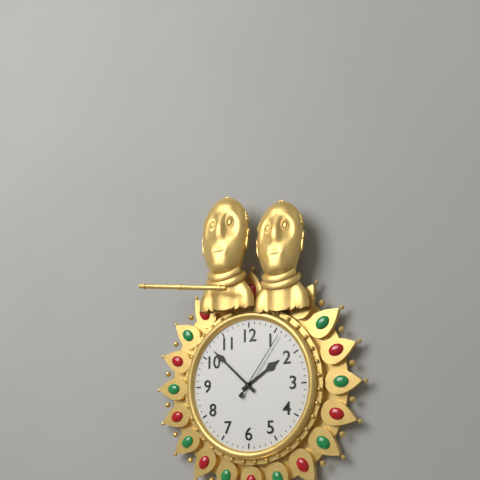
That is 1:52:06
